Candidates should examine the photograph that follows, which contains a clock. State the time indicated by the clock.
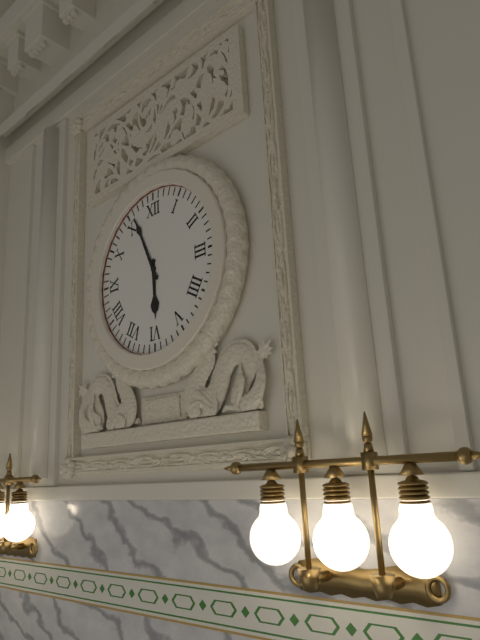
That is 5:56
